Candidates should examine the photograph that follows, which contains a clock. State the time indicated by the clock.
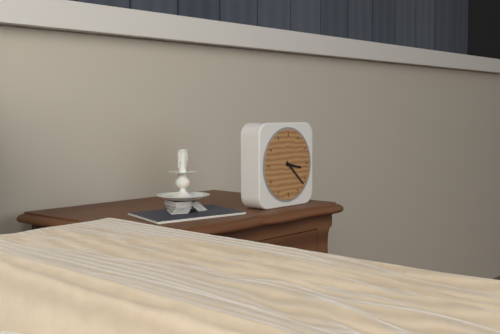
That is 3:22
